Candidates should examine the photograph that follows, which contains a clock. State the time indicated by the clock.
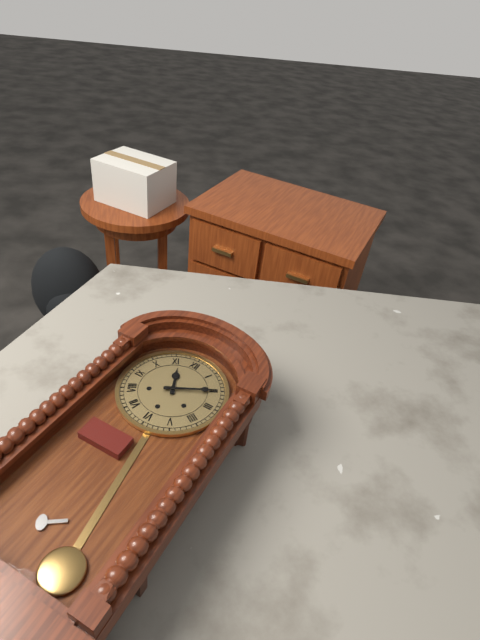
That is 11:10
